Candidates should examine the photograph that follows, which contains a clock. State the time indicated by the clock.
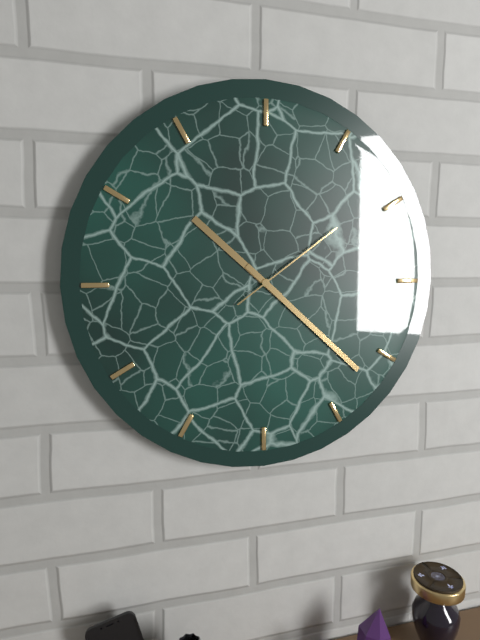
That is 10:22:09
